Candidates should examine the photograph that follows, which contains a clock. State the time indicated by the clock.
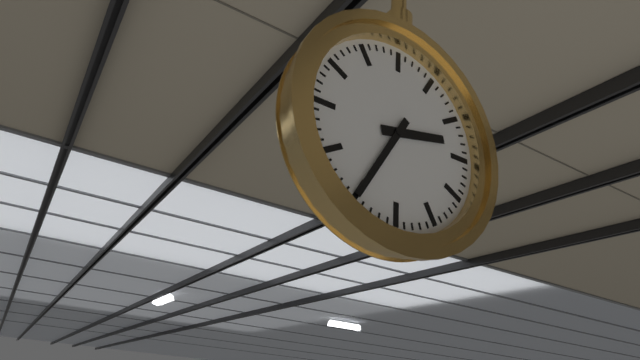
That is 2:35
